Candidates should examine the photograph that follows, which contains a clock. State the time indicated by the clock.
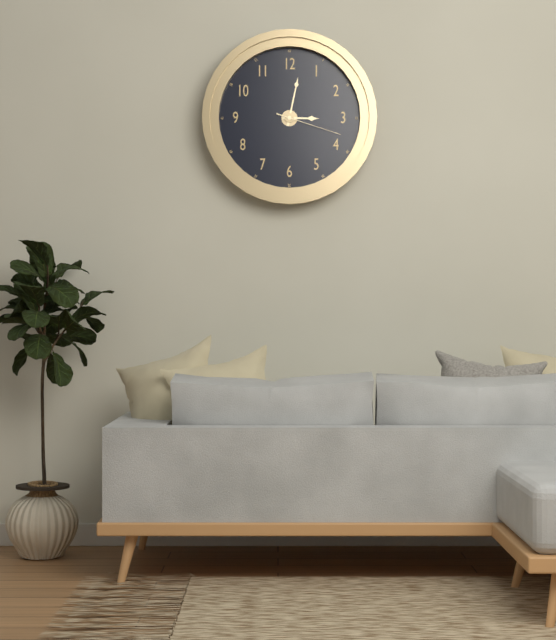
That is 3:02:18
